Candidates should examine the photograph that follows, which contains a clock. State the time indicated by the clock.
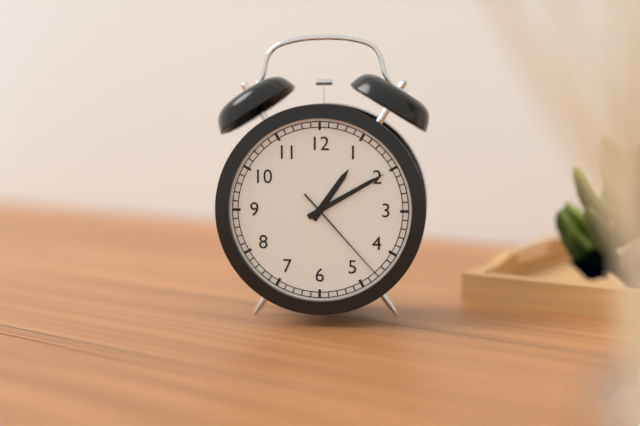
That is 1:10:23
